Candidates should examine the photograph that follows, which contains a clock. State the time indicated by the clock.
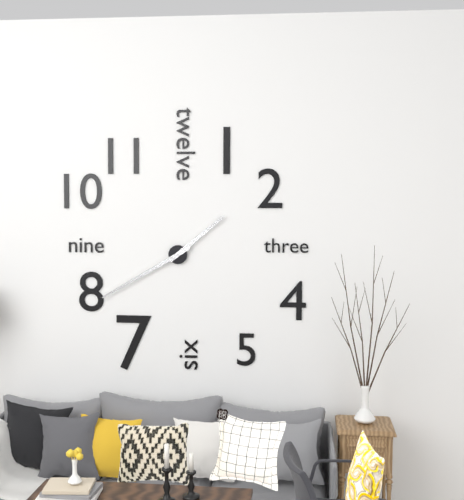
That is 1:40
